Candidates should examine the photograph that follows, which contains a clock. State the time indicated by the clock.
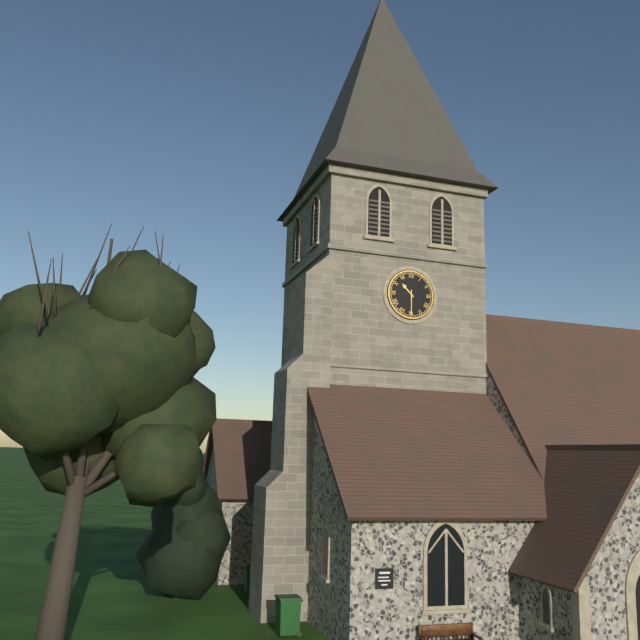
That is 10:30
